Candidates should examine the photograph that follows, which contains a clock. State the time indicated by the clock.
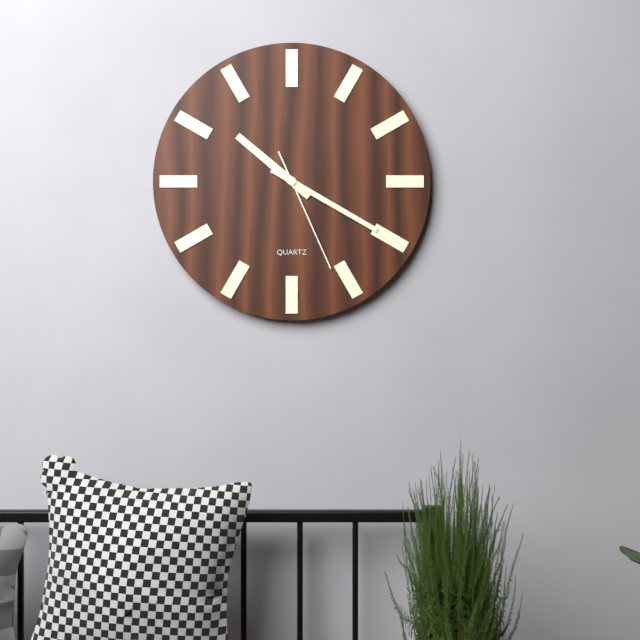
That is 10:20:26
